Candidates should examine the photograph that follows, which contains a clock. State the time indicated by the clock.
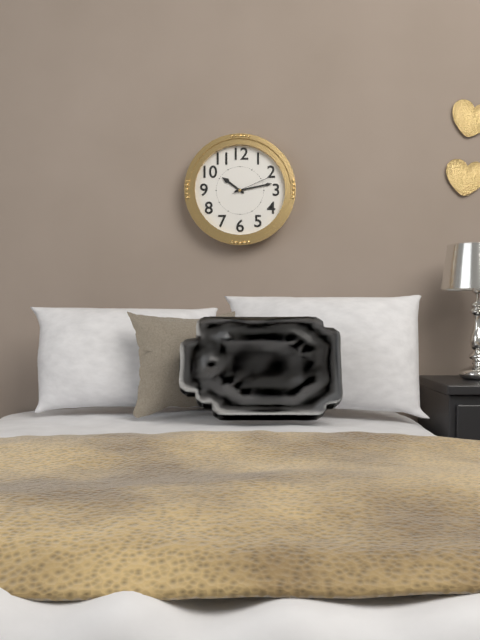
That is 10:13
